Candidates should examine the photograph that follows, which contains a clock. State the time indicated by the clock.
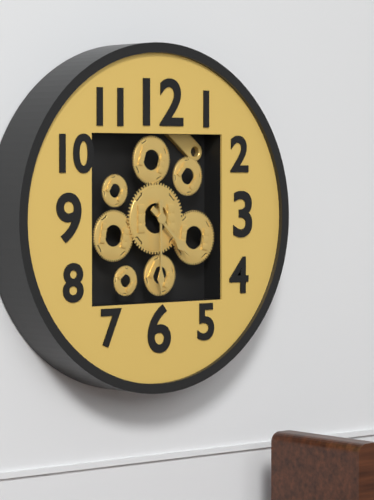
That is 4:30
